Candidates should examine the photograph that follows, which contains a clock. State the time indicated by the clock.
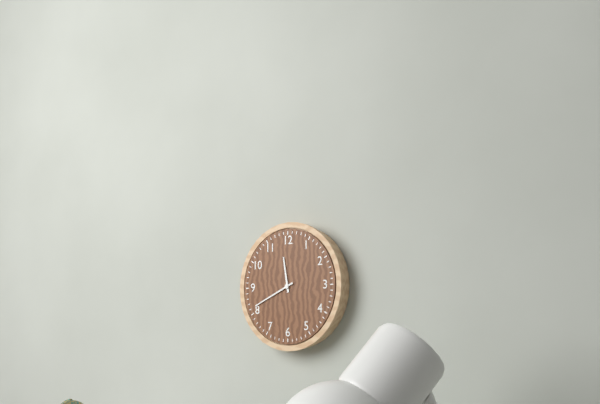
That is 11:41
